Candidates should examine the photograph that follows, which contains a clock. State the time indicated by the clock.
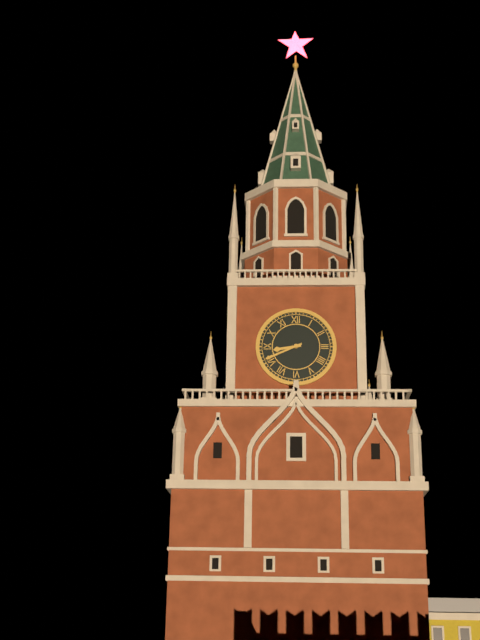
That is 8:41
